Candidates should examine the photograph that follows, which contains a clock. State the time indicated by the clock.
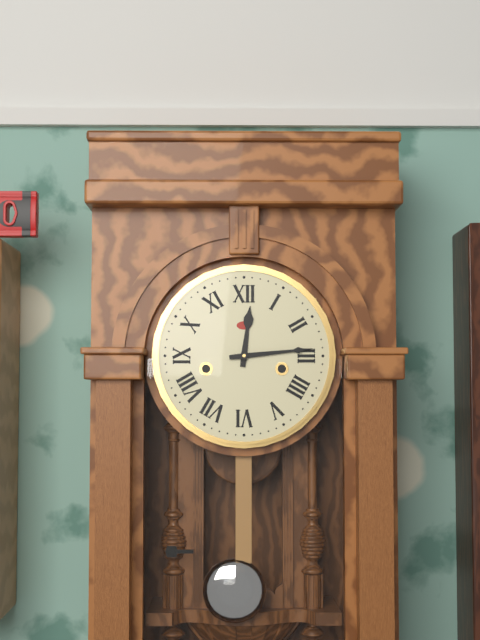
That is 12:14
